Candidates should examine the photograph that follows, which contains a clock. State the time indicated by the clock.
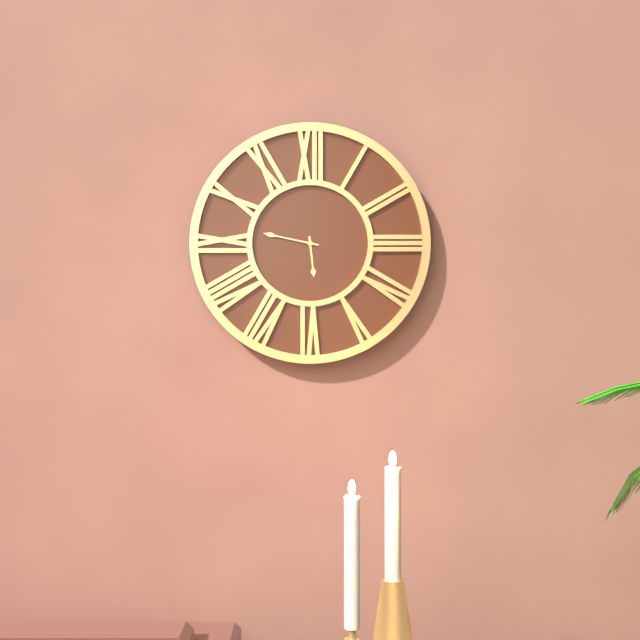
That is 5:47
